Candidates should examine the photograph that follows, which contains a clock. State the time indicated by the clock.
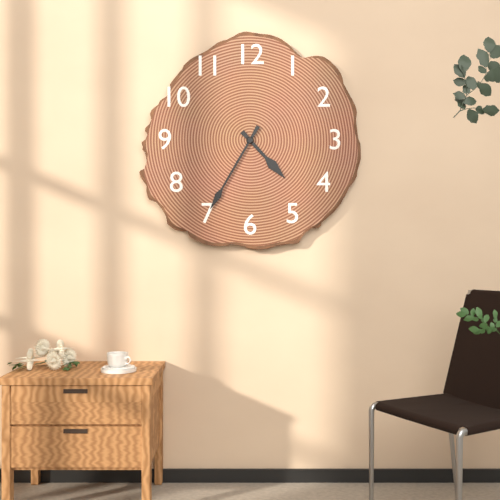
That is 4:35
